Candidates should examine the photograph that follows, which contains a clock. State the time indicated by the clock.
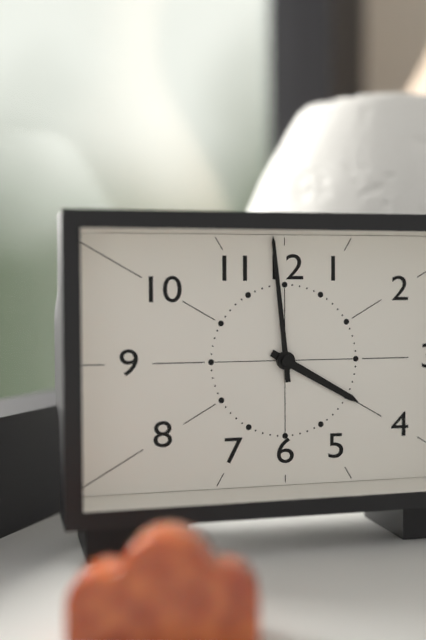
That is 3:59
